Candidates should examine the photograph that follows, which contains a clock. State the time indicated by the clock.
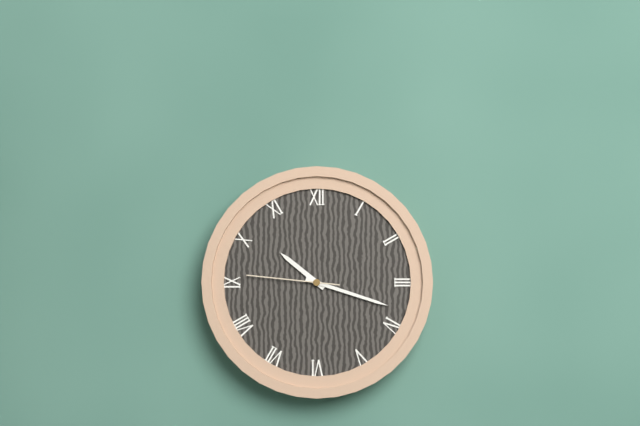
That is 10:18:46
